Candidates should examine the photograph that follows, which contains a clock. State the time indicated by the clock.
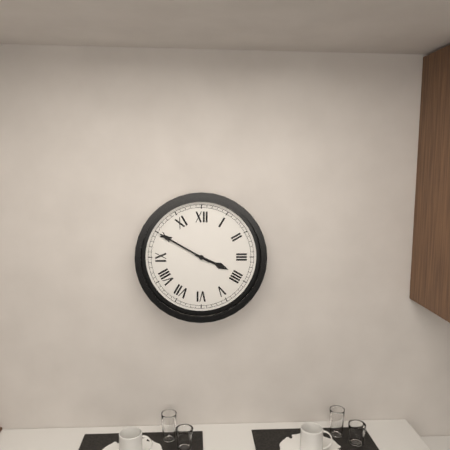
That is 3:50
